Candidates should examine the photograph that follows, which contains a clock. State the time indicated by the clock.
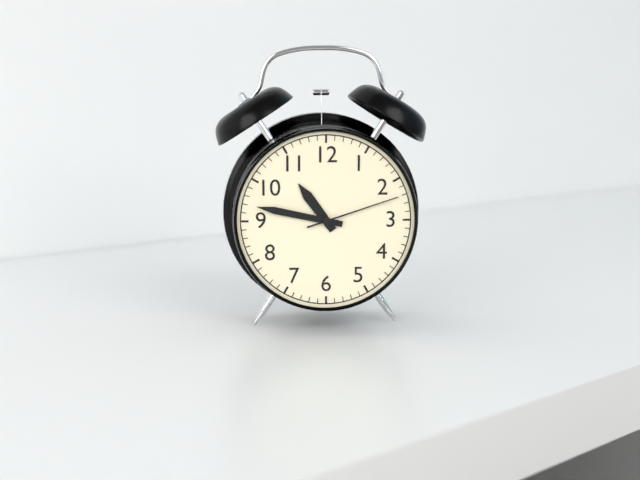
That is 10:47:12
